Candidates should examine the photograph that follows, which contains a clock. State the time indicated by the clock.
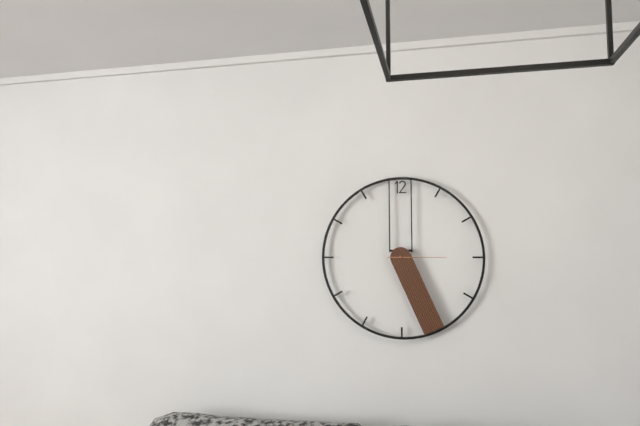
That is 5:26:15
